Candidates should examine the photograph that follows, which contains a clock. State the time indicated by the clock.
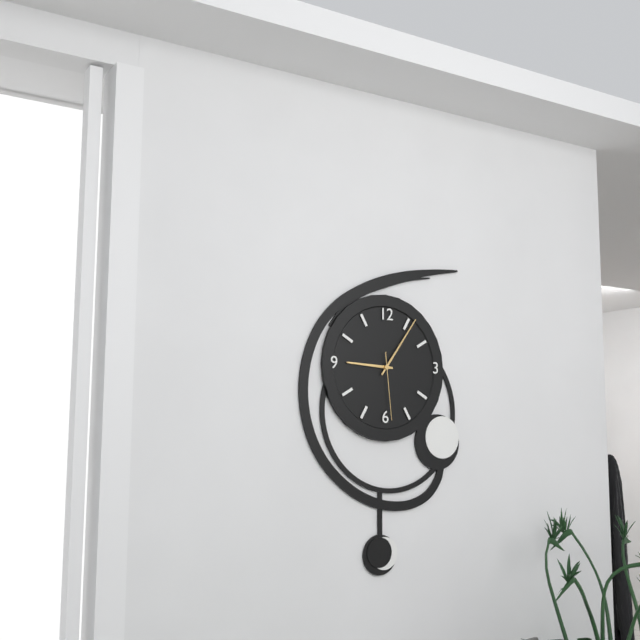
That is 9:06:29
